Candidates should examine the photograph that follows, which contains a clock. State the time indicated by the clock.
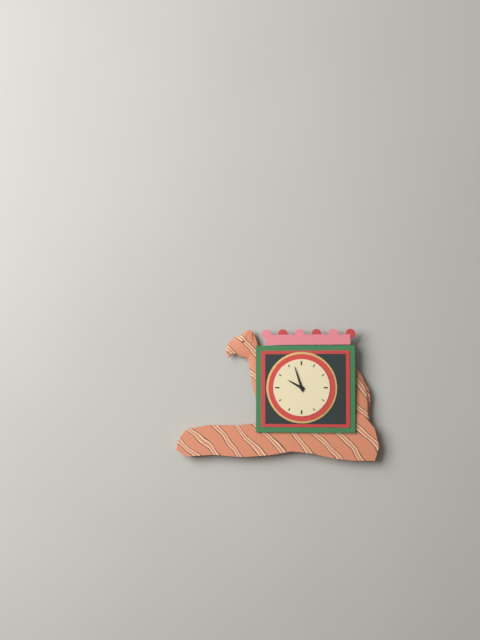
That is 9:57
